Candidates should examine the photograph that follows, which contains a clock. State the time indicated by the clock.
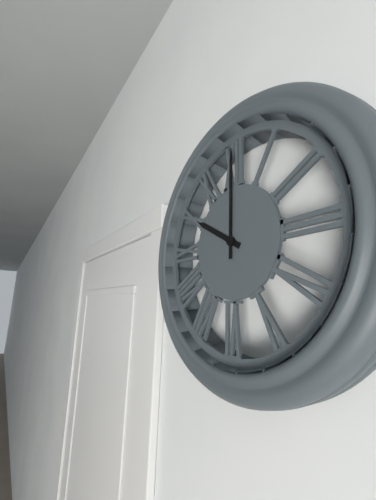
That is 10:00
